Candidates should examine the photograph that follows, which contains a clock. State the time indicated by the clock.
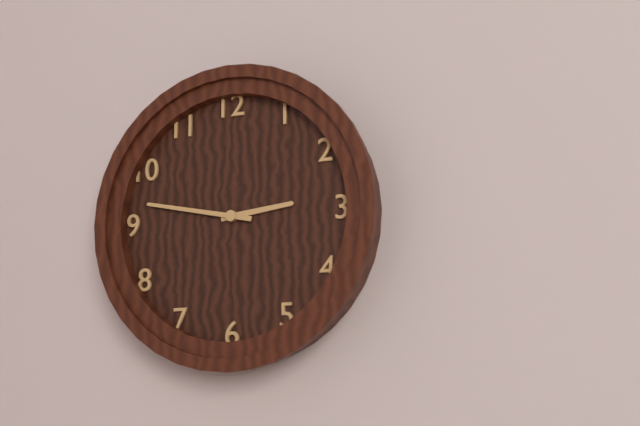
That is 2:47
